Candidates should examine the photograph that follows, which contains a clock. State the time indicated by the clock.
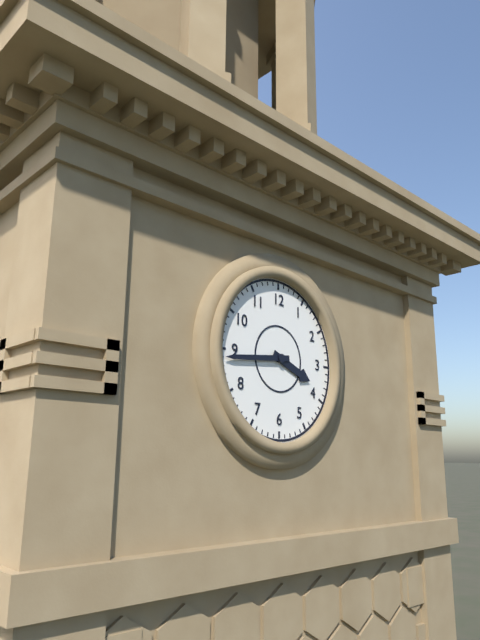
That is 3:44
